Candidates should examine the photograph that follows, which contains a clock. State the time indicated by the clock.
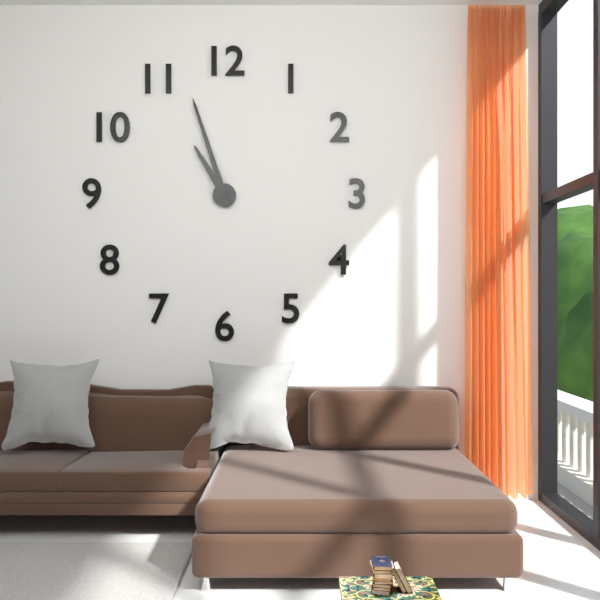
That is 10:57
